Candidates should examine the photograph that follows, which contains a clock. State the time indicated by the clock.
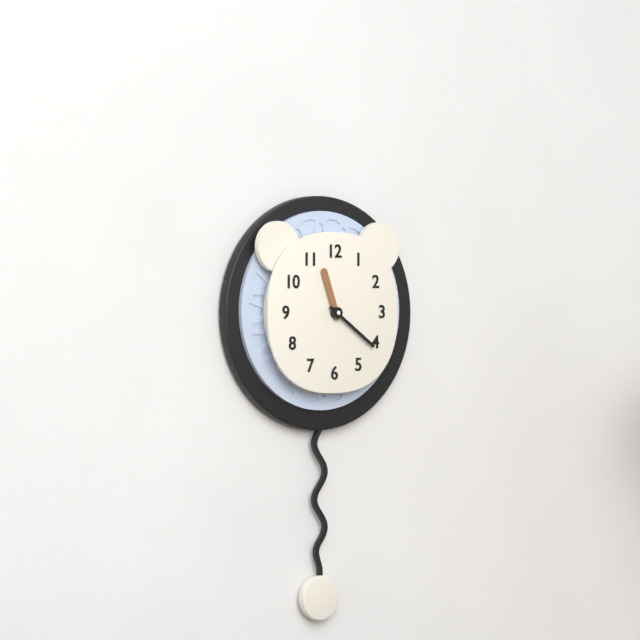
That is 11:21
